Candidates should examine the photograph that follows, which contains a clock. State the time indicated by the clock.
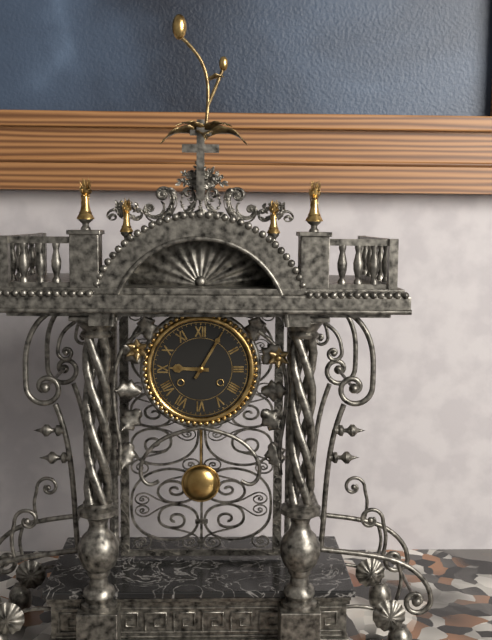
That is 9:05
